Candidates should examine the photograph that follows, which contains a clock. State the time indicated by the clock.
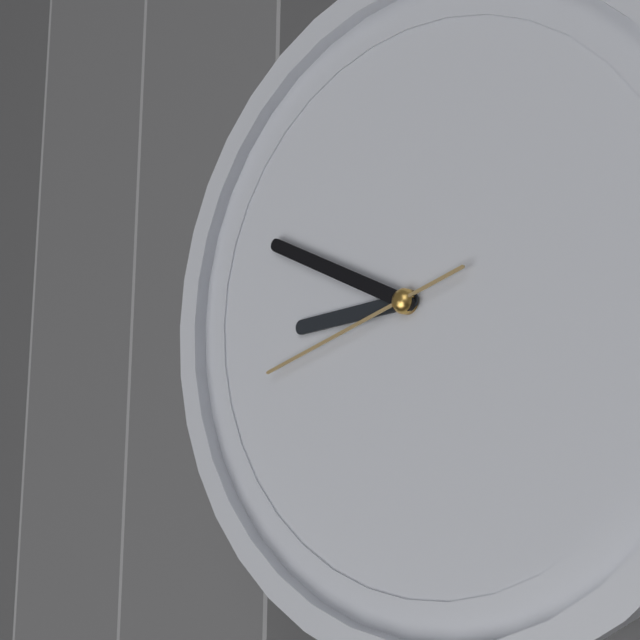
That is 8:49:42
